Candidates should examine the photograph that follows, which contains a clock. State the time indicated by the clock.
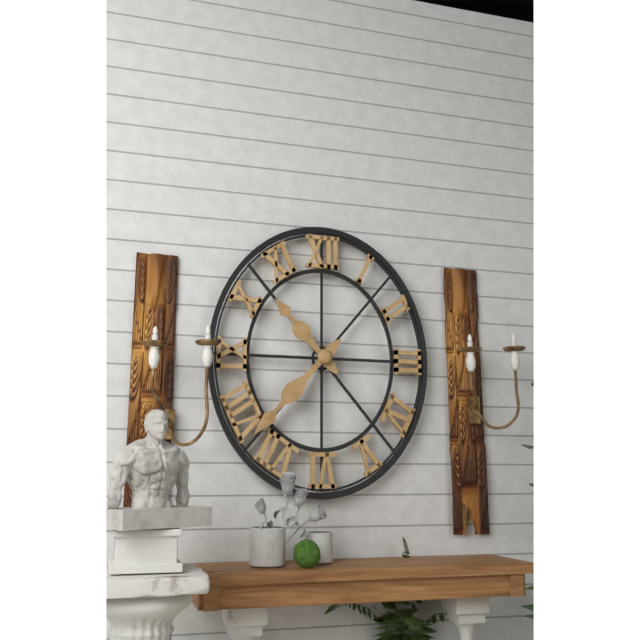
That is 10:37
